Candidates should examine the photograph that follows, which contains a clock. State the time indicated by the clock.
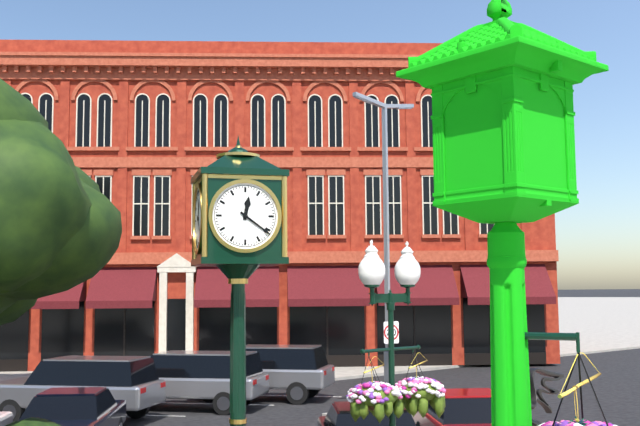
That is 12:21
